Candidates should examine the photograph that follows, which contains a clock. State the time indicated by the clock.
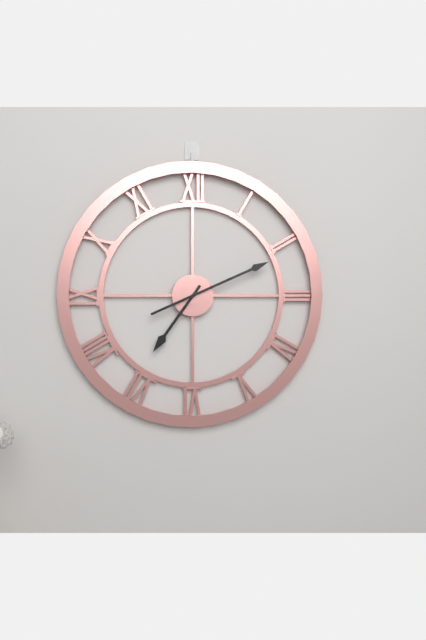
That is 7:11
